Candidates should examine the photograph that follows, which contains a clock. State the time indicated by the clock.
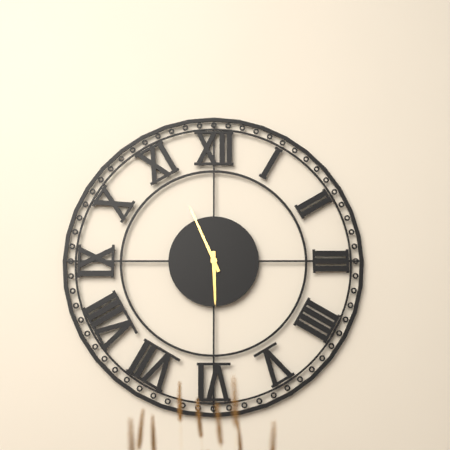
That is 5:56
